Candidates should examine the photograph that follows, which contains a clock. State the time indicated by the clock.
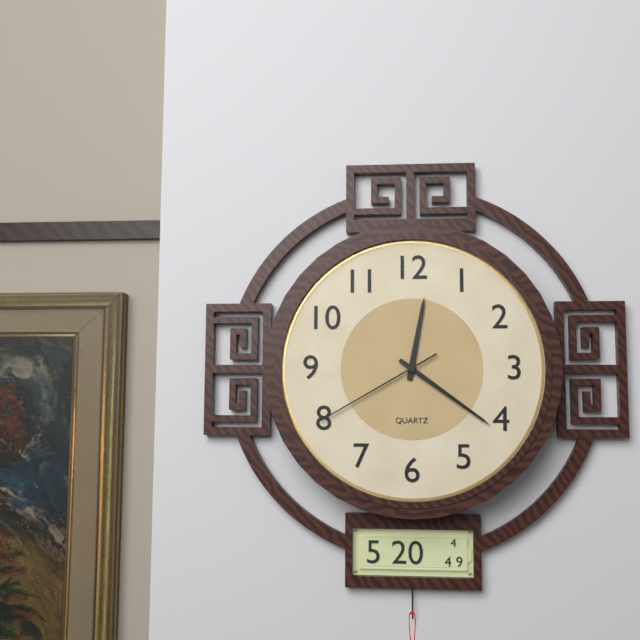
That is 12:21:40
